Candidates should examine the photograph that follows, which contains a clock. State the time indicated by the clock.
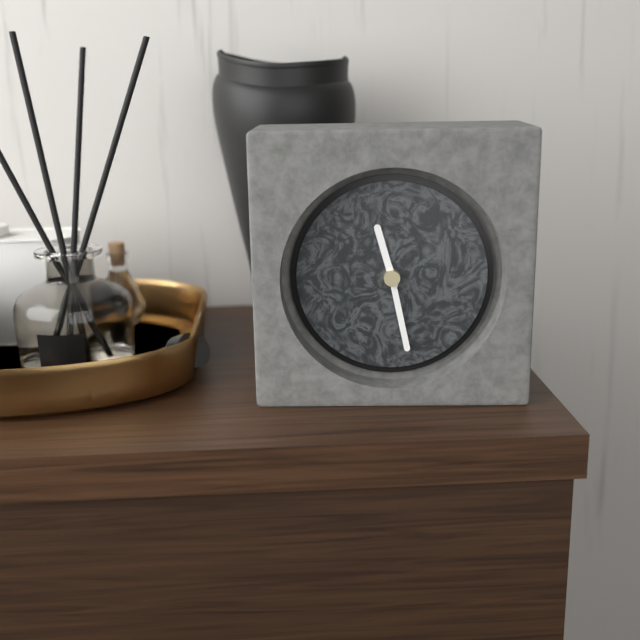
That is 11:28
